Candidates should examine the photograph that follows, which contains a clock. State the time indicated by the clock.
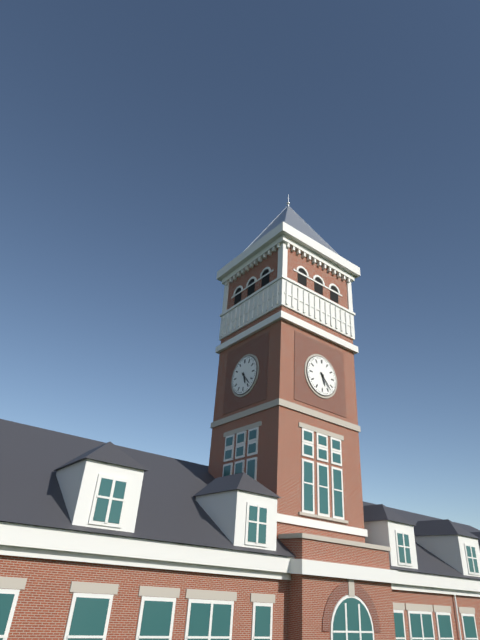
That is 5:23
